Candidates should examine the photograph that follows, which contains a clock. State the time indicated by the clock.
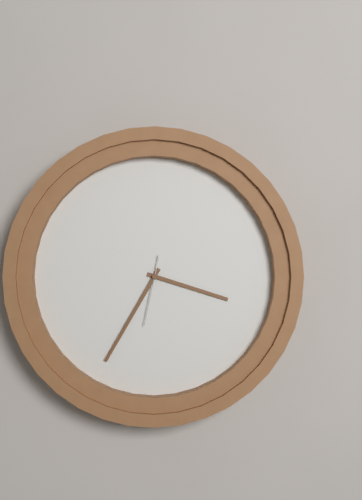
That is 3:35:32
